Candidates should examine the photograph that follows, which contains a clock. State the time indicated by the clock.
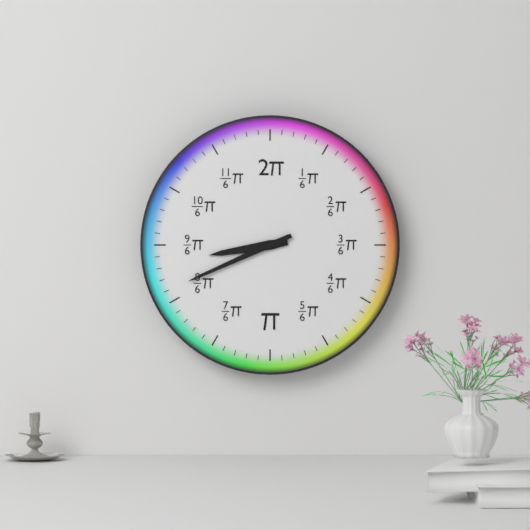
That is 8:41
